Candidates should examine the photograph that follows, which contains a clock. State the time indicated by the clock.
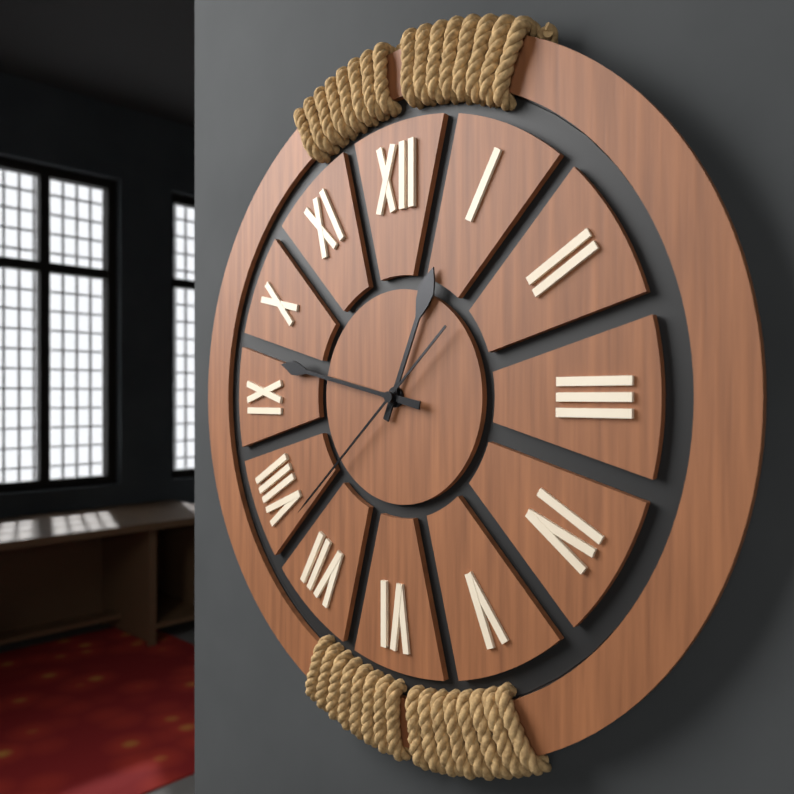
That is 12:47:38
